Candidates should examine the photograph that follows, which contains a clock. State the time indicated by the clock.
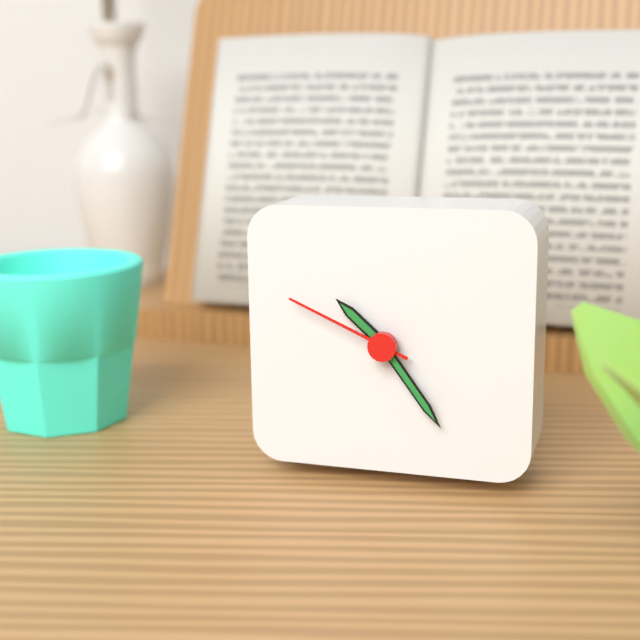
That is 10:24:49
